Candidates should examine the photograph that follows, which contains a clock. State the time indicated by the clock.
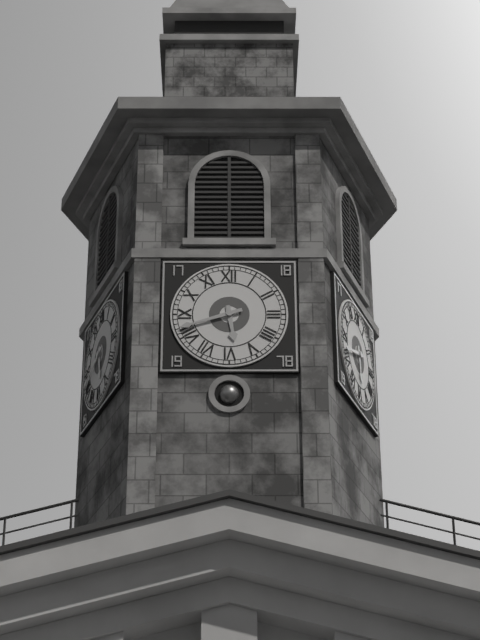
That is 5:42
